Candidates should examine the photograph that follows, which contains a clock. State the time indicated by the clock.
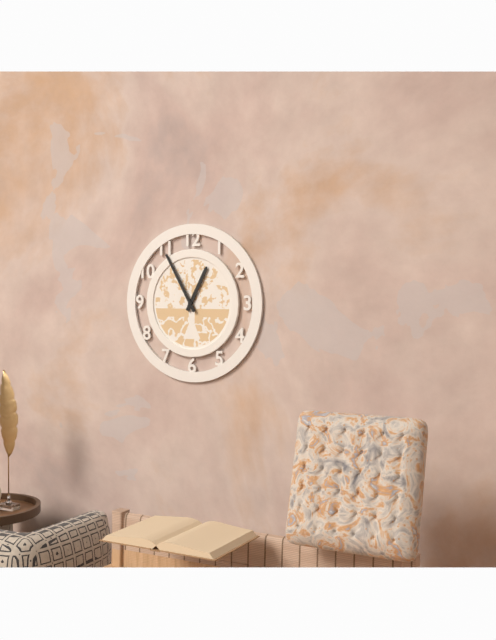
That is 12:55
